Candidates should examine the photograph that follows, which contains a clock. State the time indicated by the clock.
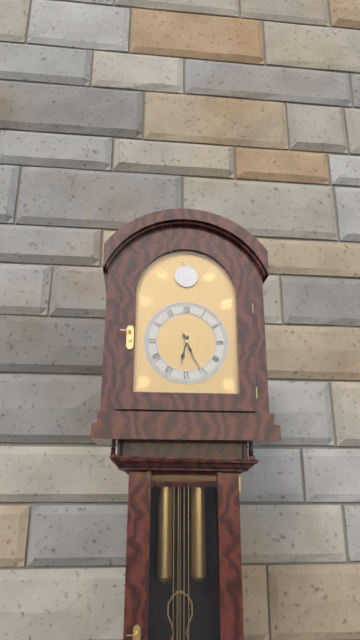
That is 6:26
